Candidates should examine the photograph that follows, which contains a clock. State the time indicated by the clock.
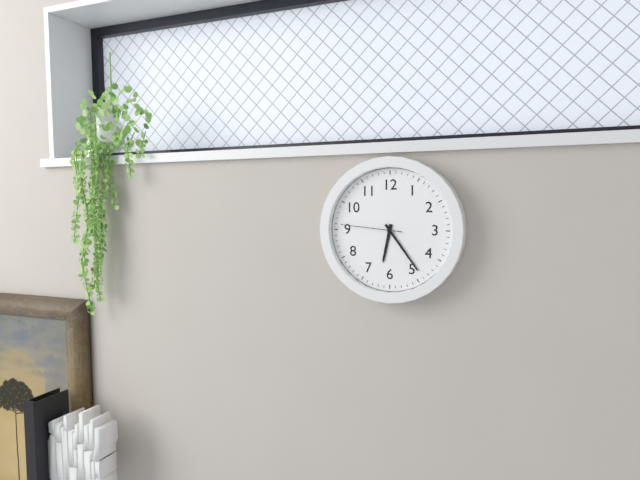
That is 6:24:46
